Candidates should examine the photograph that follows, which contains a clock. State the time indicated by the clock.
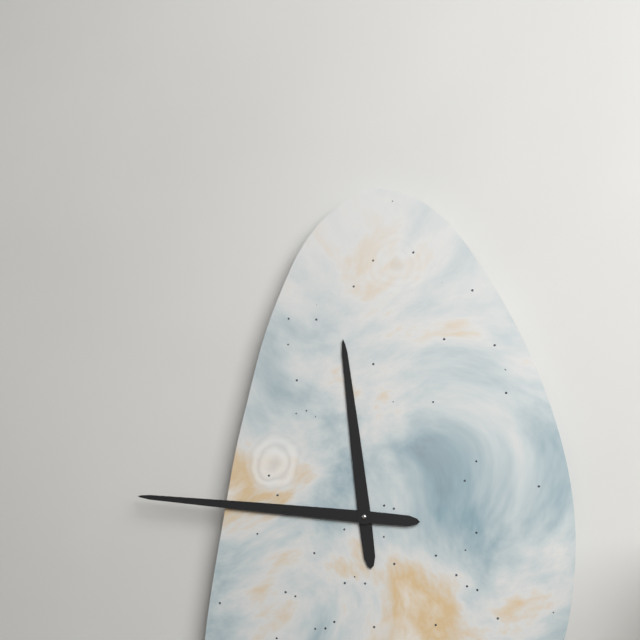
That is 11:46
